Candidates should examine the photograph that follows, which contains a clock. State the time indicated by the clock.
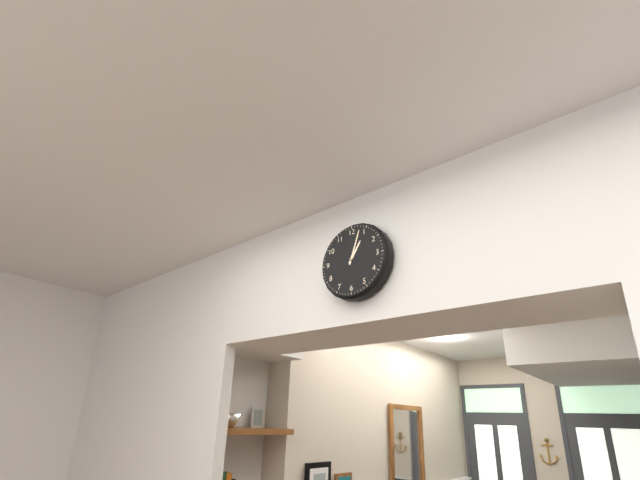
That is 1:03
